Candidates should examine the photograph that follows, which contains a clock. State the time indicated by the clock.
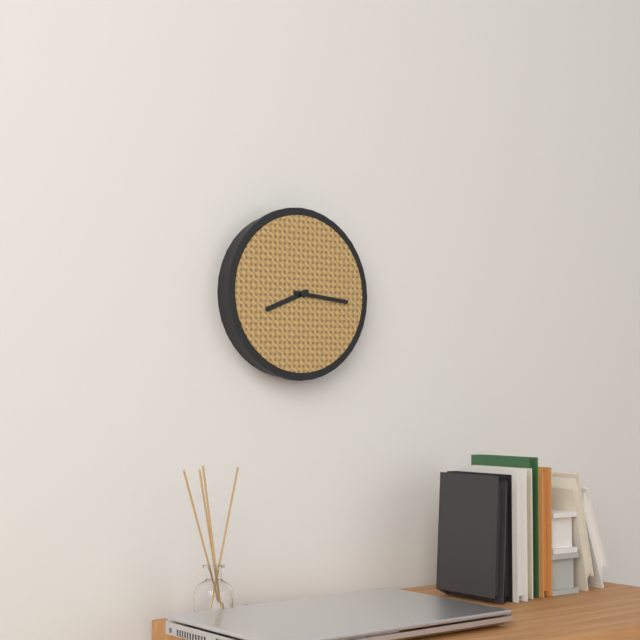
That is 8:16
